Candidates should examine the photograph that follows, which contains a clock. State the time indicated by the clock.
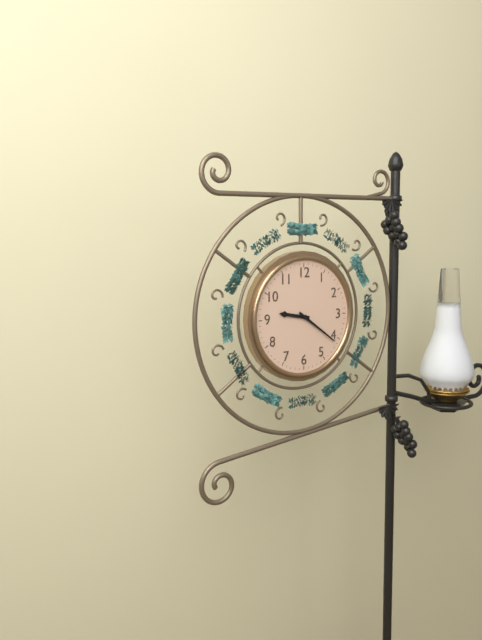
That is 9:21
